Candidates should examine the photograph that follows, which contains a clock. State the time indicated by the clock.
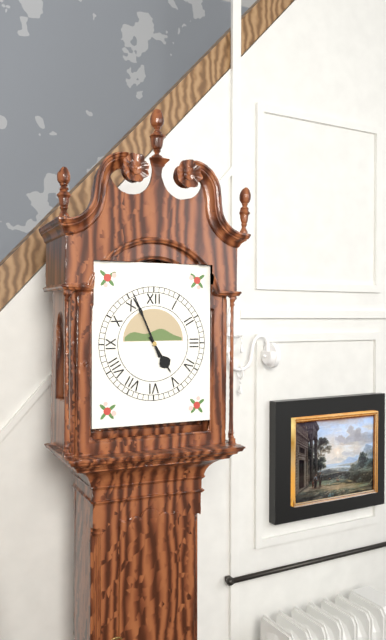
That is 4:56
